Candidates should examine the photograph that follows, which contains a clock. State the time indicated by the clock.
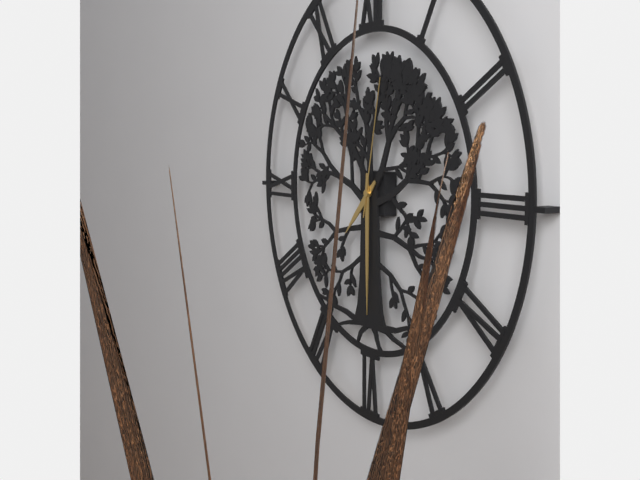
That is 7:30:02
